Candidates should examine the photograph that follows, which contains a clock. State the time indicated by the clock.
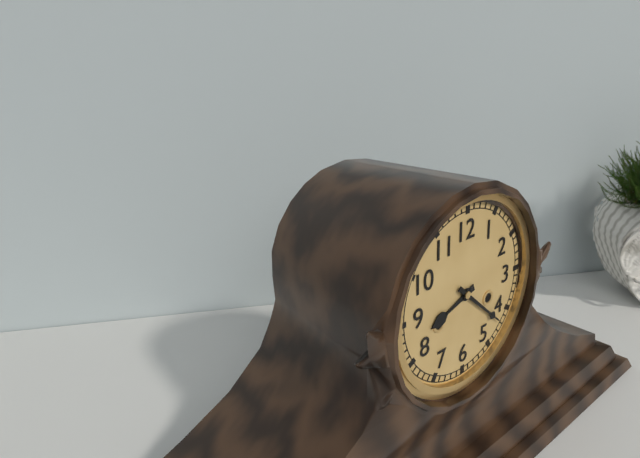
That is 8:22
